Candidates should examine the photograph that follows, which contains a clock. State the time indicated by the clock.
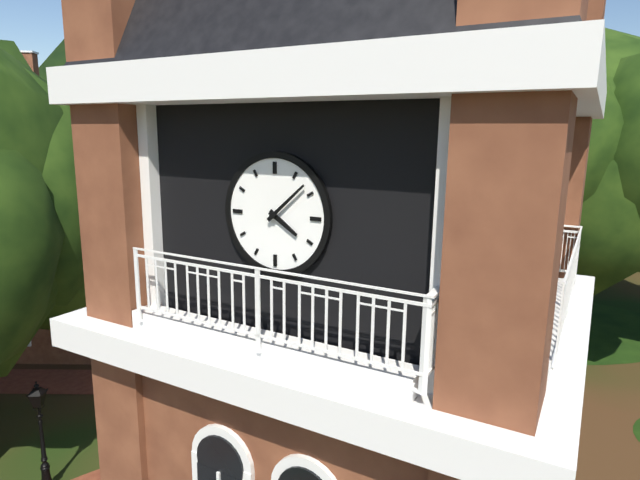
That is 4:08
